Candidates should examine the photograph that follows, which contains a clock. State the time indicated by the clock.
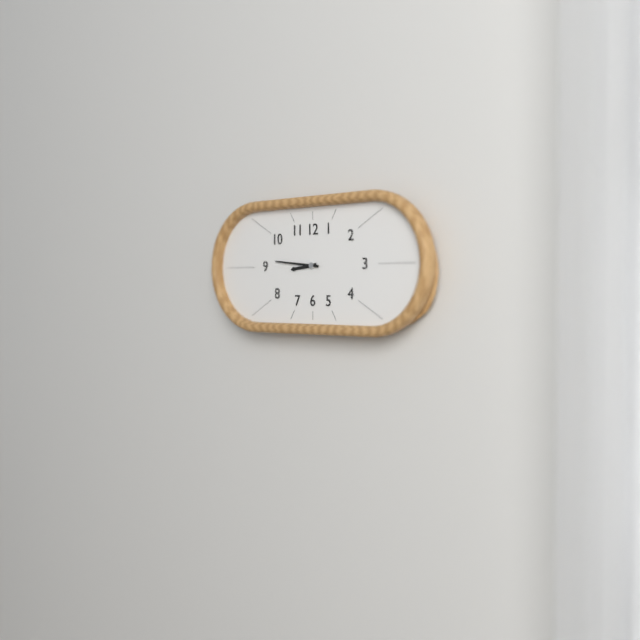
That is 8:46
